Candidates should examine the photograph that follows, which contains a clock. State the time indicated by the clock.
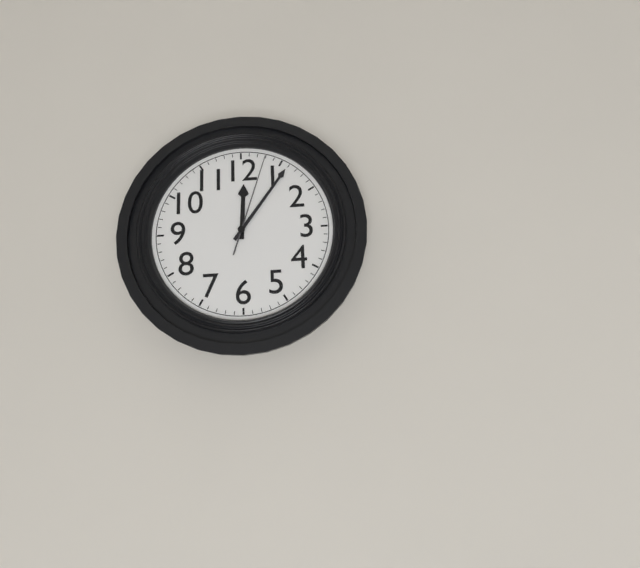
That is 12:06:03
